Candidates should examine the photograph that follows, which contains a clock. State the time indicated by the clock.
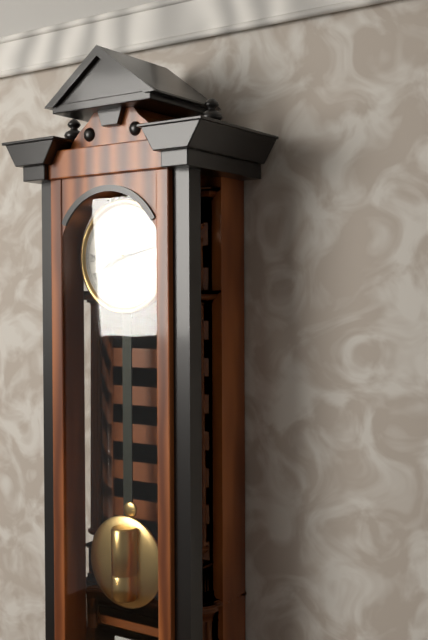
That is 8:13
